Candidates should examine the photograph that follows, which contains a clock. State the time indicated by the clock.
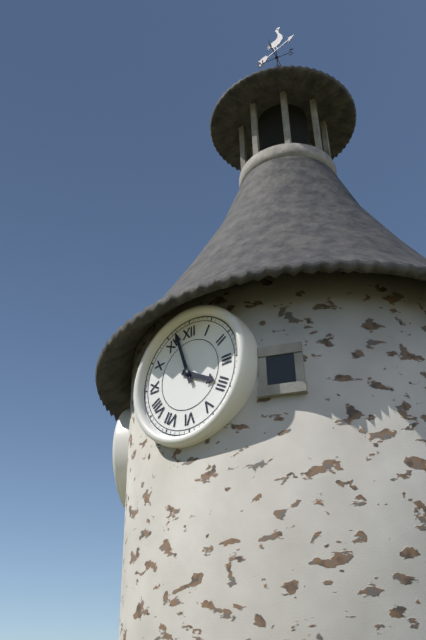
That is 3:57
